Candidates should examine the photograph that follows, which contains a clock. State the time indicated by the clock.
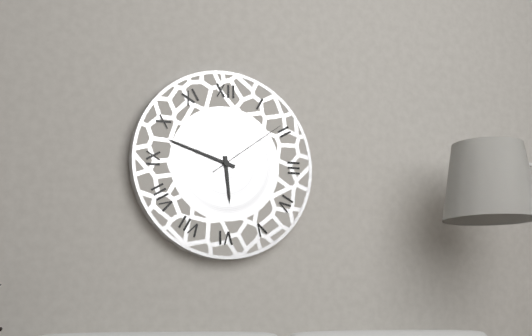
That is 5:48:09
